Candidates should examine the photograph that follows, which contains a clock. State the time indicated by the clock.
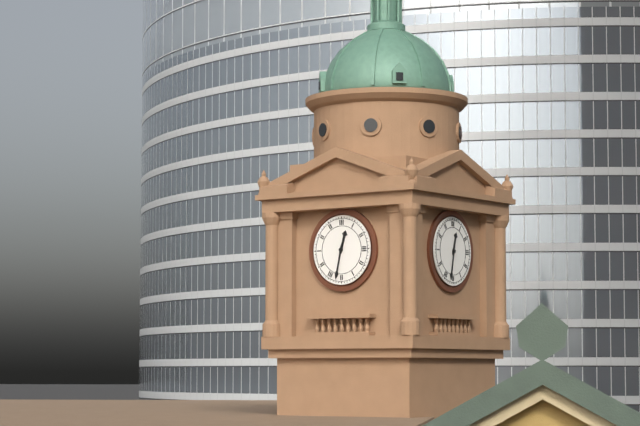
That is 12:32
